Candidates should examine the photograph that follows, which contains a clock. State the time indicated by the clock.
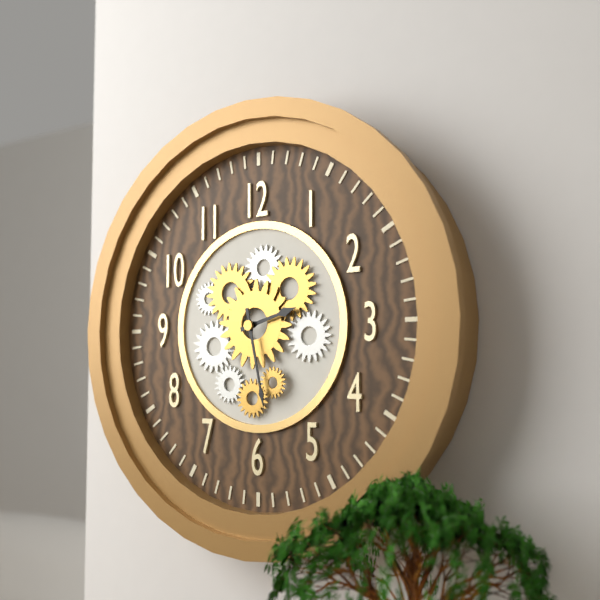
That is 2:28
